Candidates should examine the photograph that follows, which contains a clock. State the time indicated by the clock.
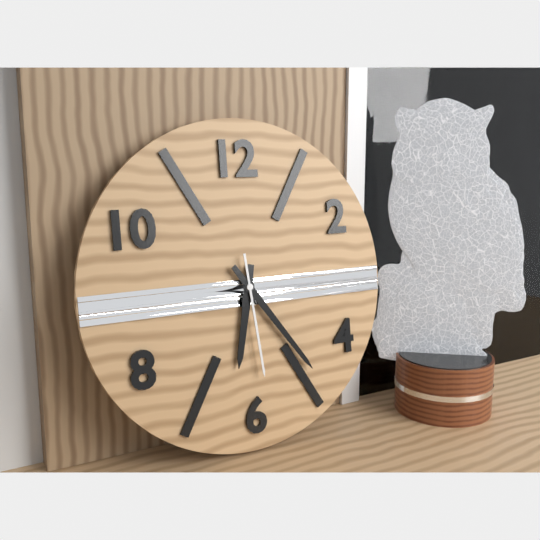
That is 6:24:29
